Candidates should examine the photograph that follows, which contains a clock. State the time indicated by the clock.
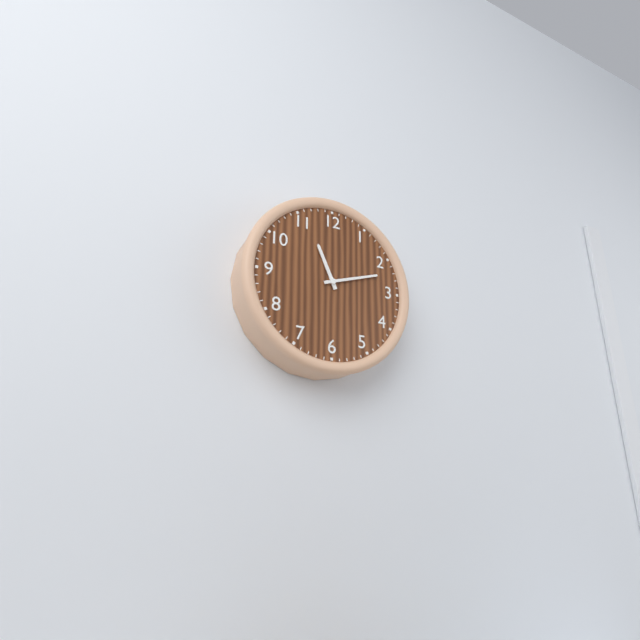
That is 11:12
